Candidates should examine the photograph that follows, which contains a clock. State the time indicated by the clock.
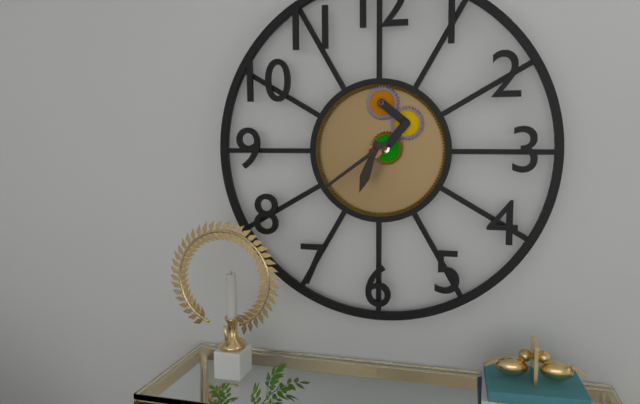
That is 6:39
